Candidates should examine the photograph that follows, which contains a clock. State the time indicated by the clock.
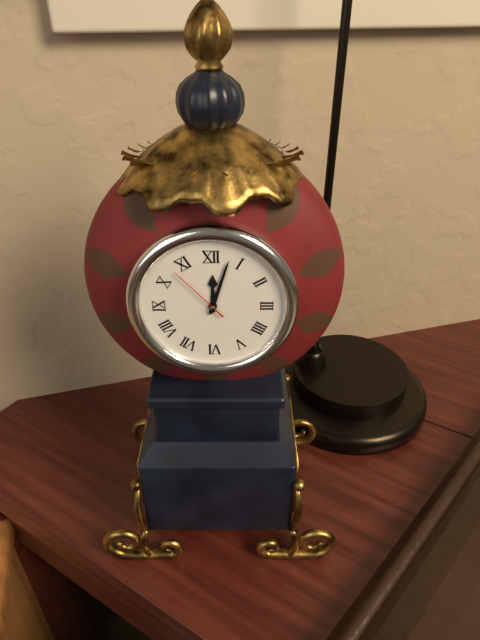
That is 12:03:53
